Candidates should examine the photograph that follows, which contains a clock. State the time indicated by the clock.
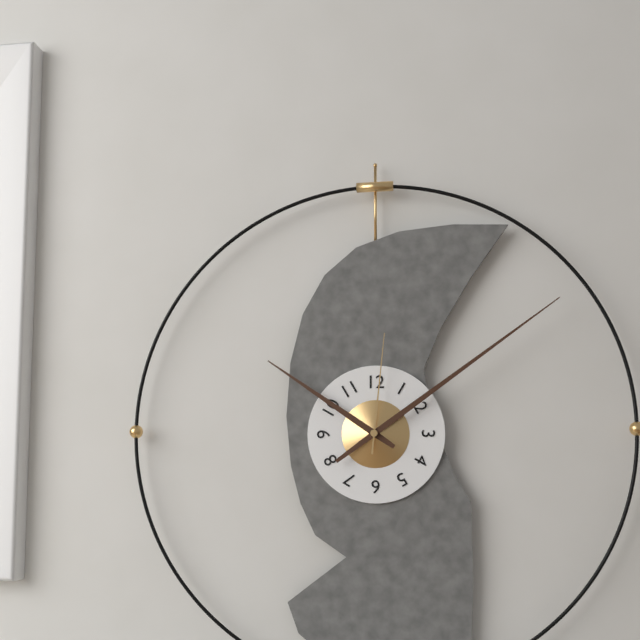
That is 10:09:01
